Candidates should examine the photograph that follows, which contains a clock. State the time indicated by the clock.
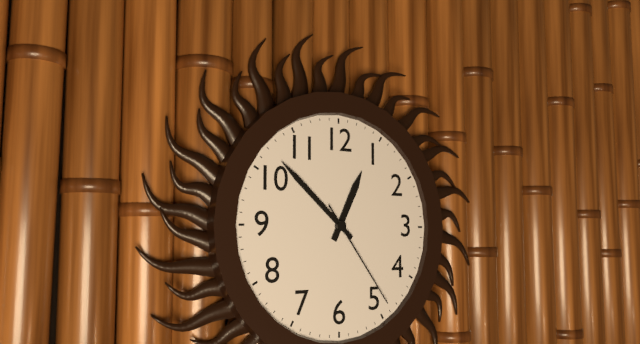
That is 12:52:24
